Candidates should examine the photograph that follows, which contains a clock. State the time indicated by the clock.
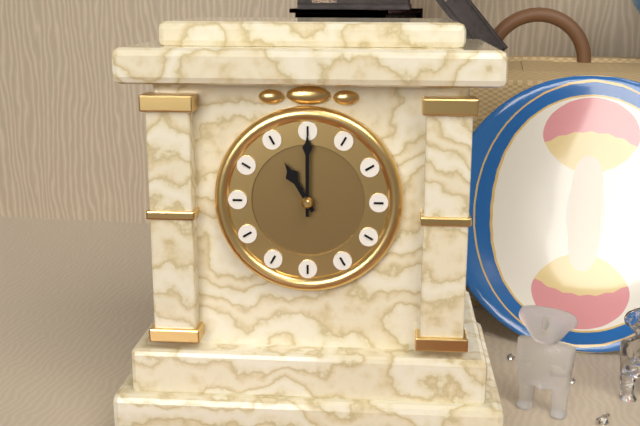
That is 11:00
